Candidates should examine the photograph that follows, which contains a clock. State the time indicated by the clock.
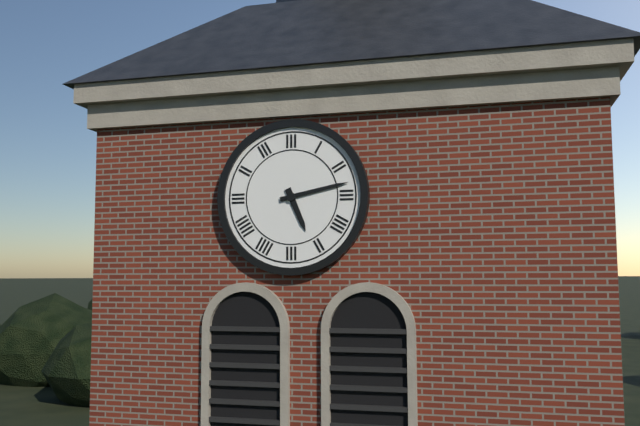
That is 5:13
